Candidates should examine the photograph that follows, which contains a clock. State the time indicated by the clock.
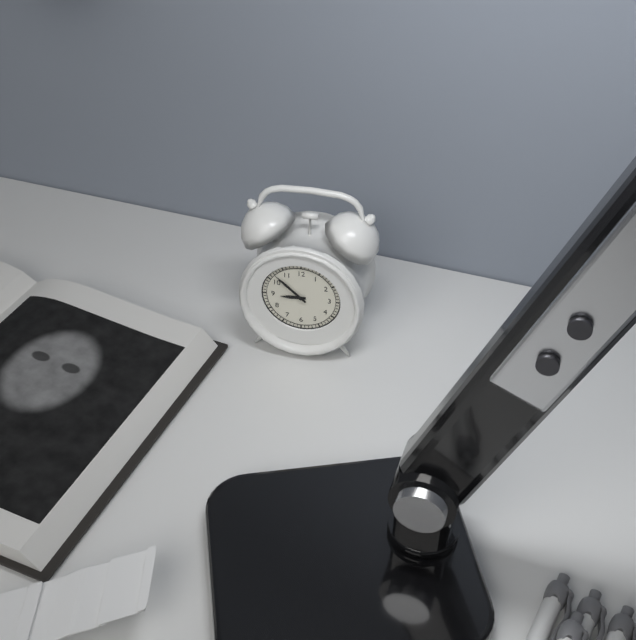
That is 8:52
